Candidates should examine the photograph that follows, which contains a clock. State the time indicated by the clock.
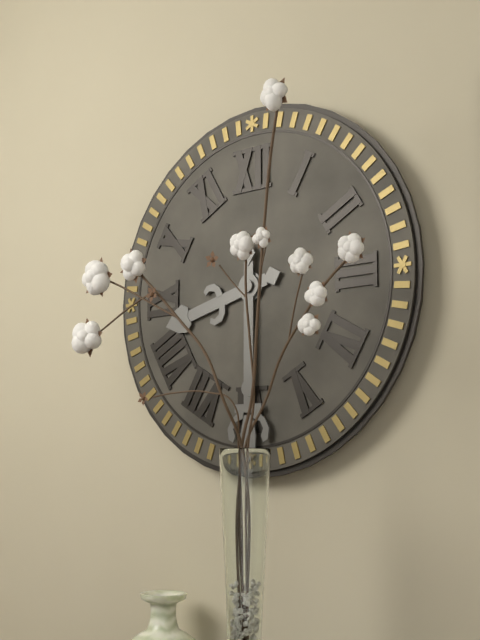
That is 8:30
